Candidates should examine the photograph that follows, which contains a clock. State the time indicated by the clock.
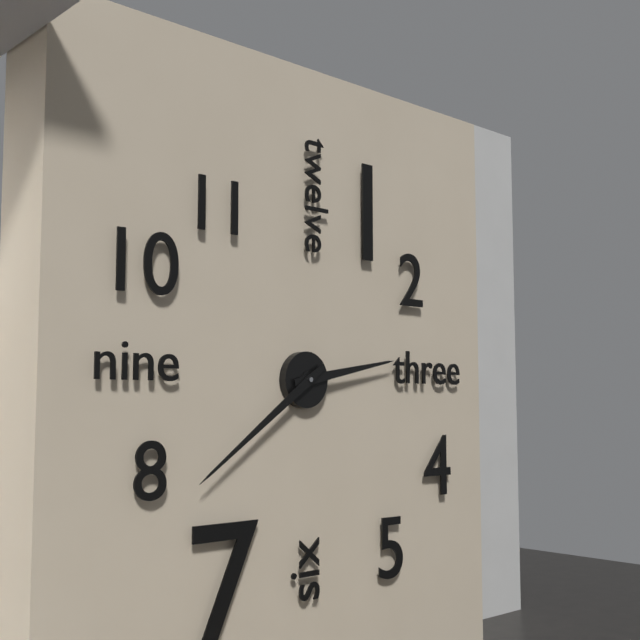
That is 2:39
